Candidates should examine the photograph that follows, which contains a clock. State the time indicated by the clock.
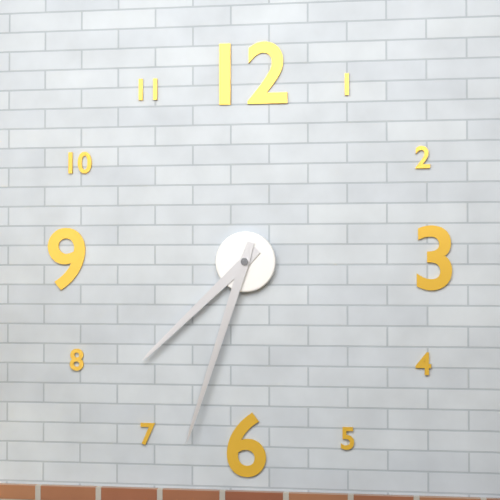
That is 7:33
